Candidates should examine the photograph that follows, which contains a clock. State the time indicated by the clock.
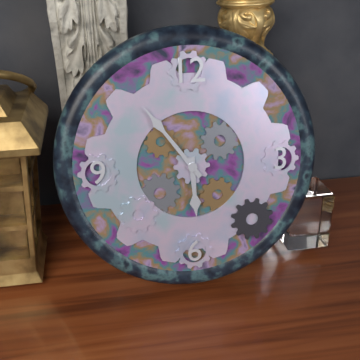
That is 5:54
